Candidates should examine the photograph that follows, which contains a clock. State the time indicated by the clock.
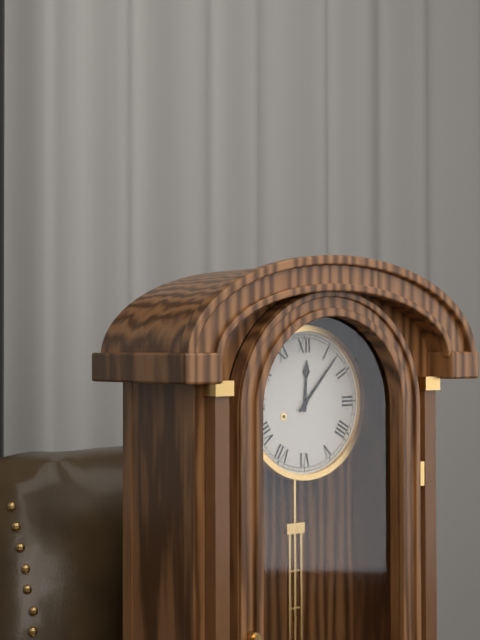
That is 12:07
